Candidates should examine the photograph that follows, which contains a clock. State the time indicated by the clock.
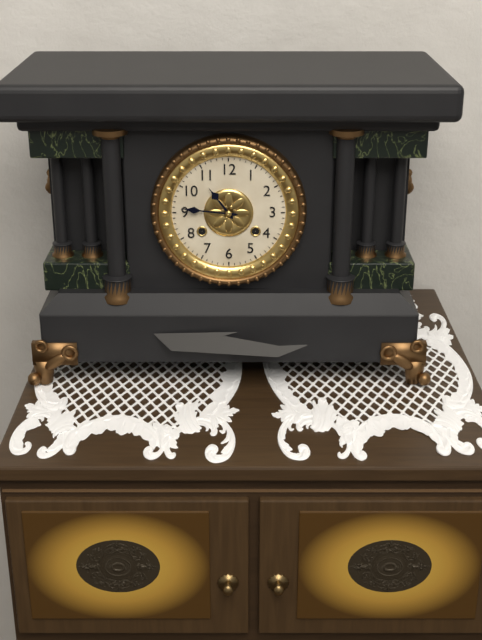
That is 10:46
